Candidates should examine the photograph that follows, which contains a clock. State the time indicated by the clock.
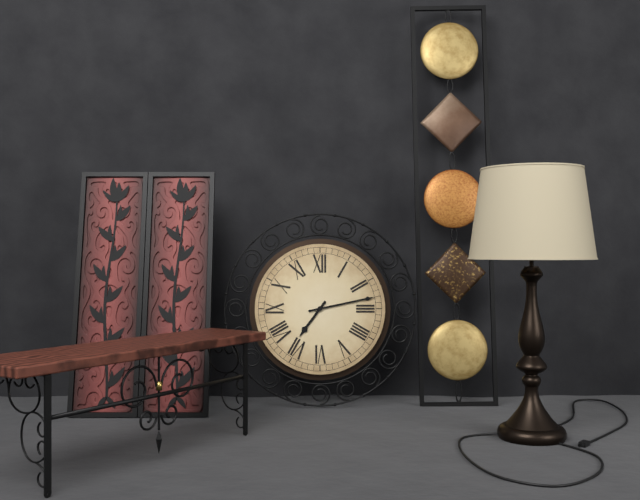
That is 7:13
